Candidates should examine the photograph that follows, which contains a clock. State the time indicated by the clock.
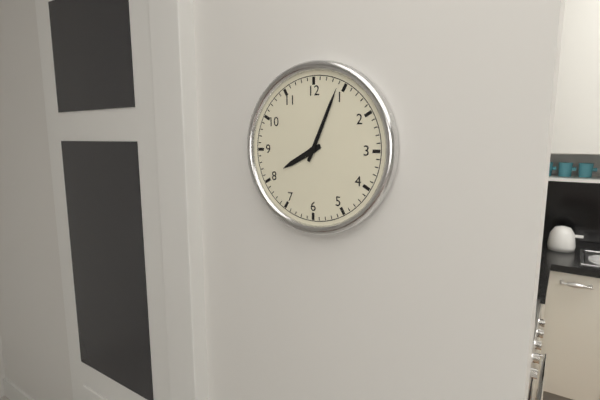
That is 8:04
